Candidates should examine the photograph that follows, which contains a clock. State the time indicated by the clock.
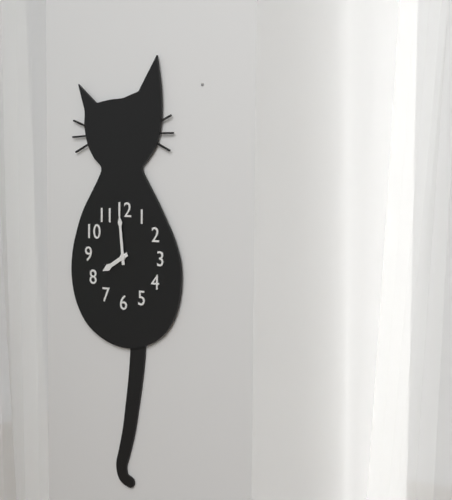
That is 7:59
